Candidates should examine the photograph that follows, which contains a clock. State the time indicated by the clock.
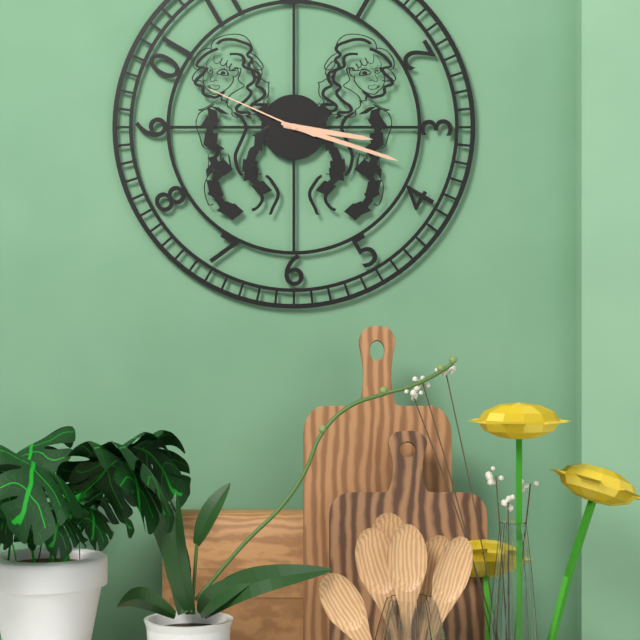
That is 3:18:49
